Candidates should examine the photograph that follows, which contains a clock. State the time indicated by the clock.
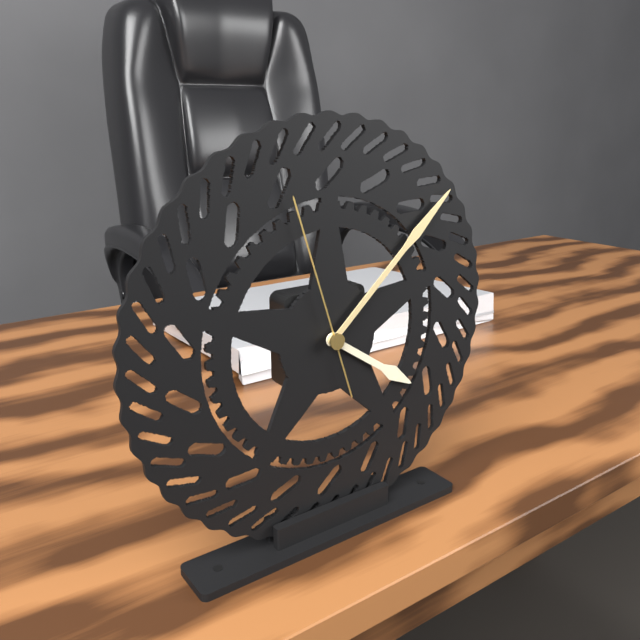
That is 4:08:57
